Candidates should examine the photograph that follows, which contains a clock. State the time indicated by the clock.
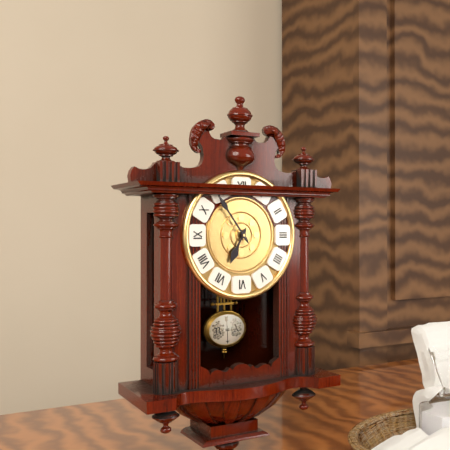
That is 6:54
